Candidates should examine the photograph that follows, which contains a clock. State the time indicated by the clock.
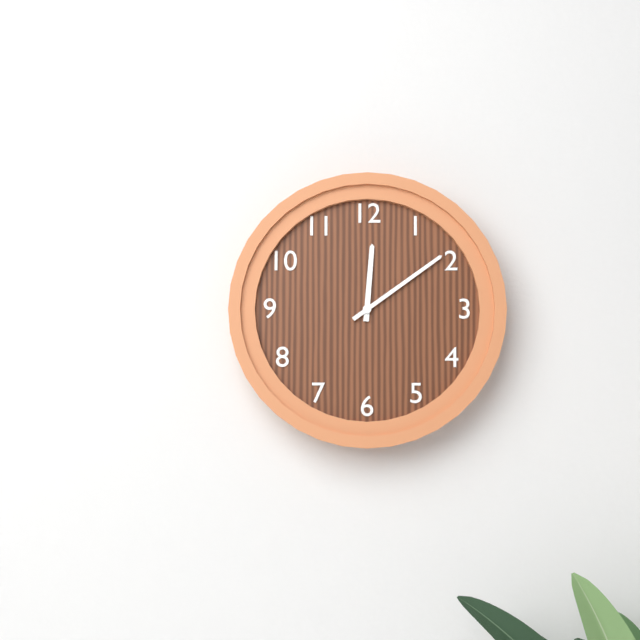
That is 12:09
